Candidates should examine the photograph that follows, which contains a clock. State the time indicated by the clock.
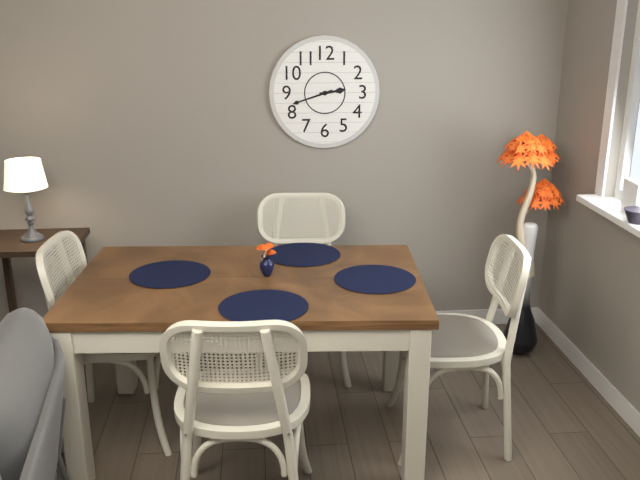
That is 2:42
